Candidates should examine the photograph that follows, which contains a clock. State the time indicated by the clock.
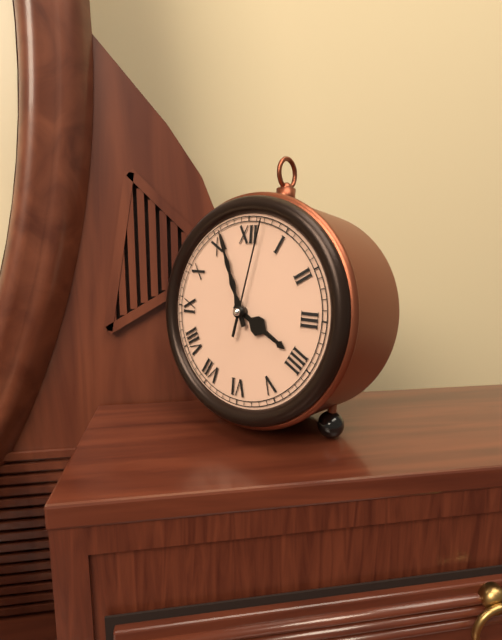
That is 3:56:02
